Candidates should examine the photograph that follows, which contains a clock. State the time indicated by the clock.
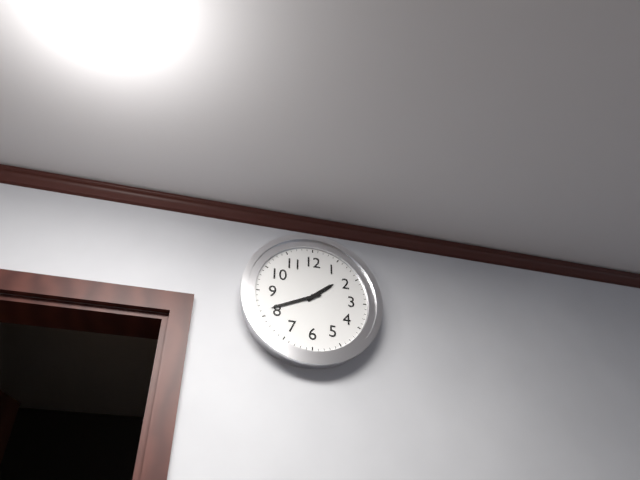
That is 1:41
